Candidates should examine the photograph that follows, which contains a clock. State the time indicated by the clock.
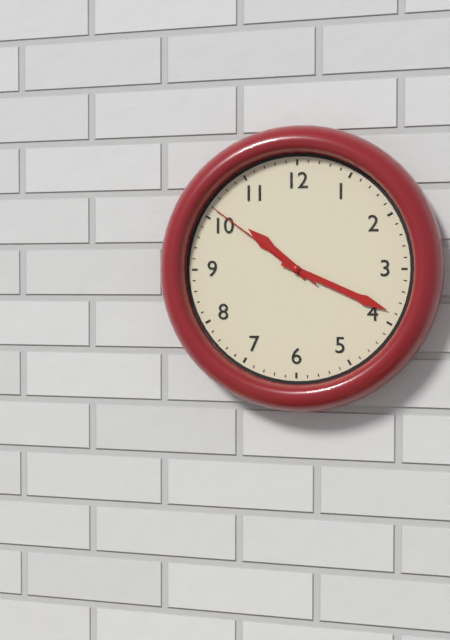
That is 10:19:51
